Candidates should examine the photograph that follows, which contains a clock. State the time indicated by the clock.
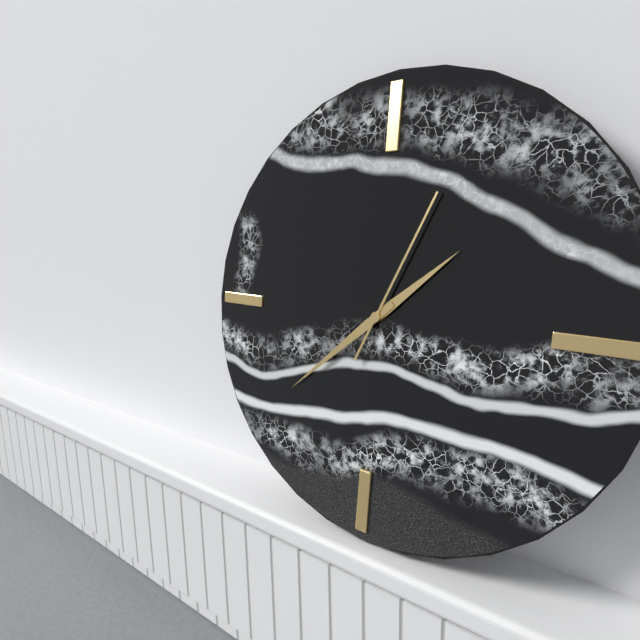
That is 1:38:04
